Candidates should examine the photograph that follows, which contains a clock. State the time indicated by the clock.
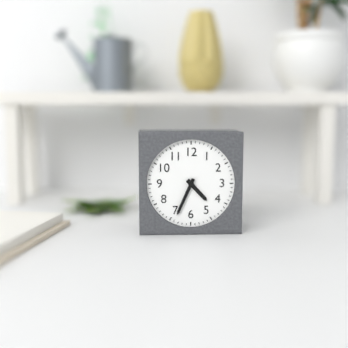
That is 4:34
